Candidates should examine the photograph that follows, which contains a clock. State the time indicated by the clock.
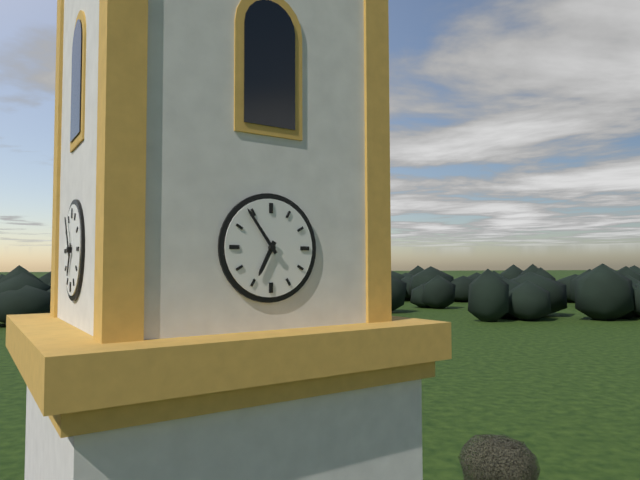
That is 6:54
